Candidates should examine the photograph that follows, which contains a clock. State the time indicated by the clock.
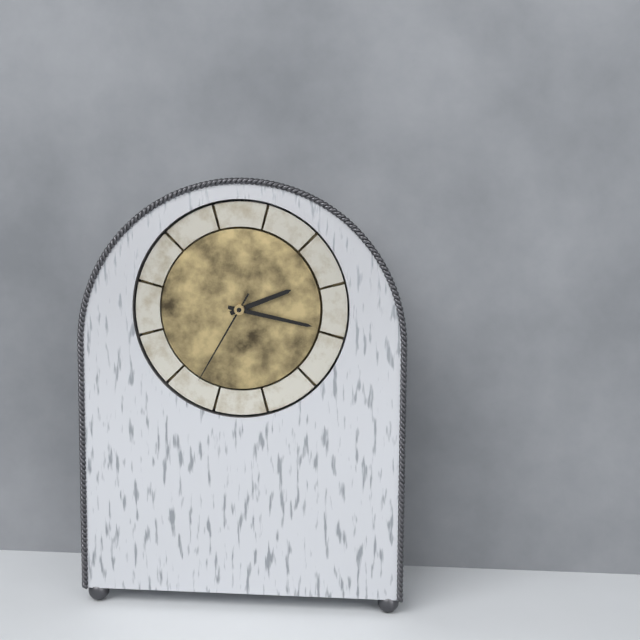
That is 2:17:35
